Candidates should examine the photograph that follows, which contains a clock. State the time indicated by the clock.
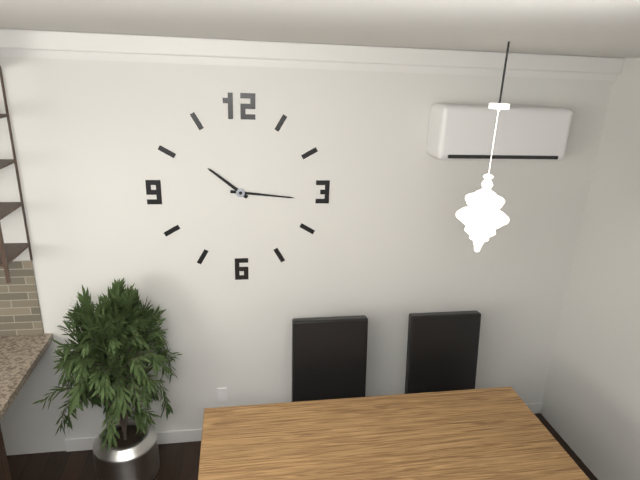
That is 10:16
